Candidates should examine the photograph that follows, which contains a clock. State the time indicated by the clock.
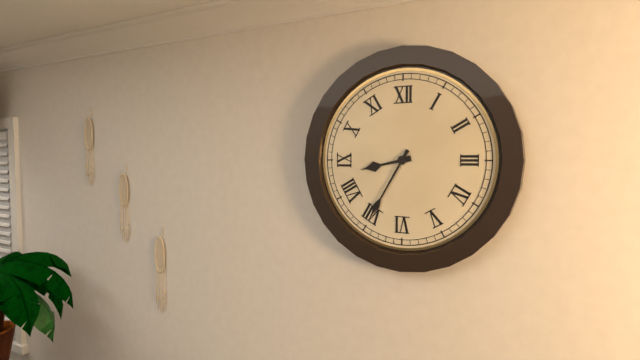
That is 8:35
